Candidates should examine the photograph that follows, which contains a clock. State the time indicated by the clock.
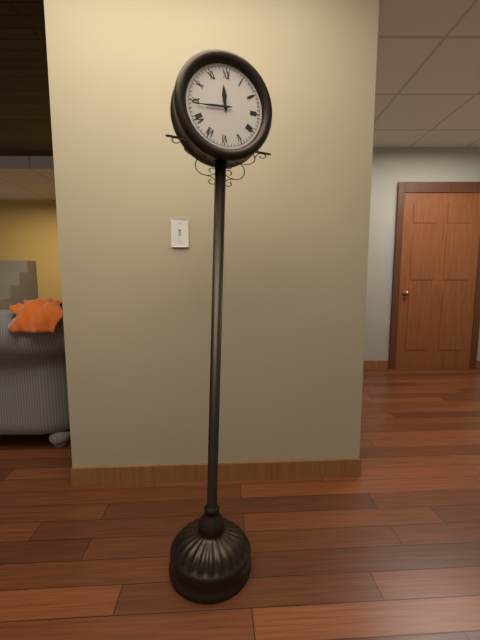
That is 11:44
